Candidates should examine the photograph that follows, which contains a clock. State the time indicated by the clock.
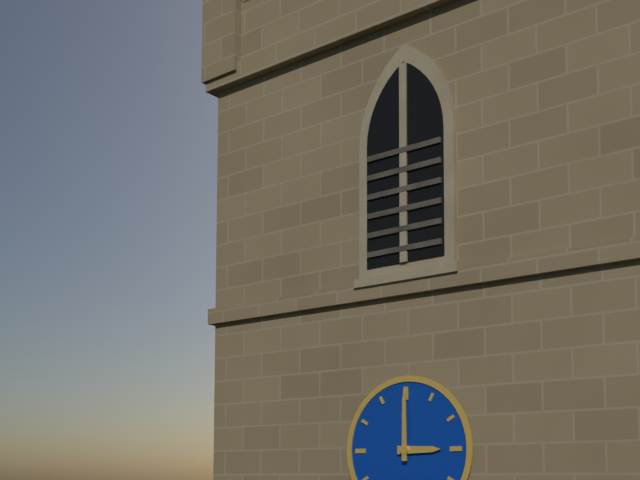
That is 3:00
